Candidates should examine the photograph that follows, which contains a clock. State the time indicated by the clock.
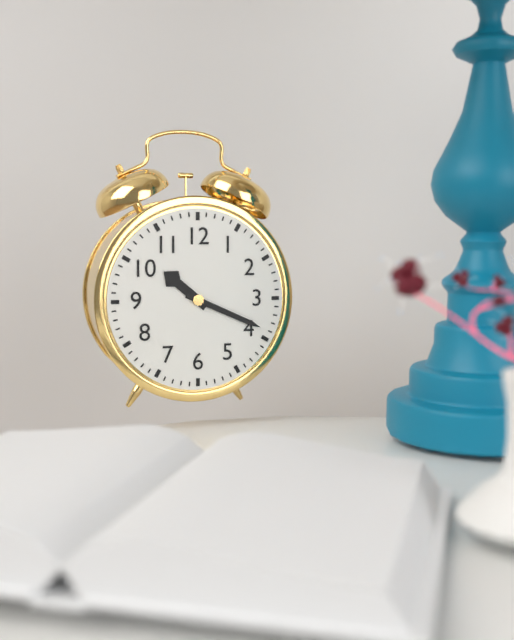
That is 10:19
